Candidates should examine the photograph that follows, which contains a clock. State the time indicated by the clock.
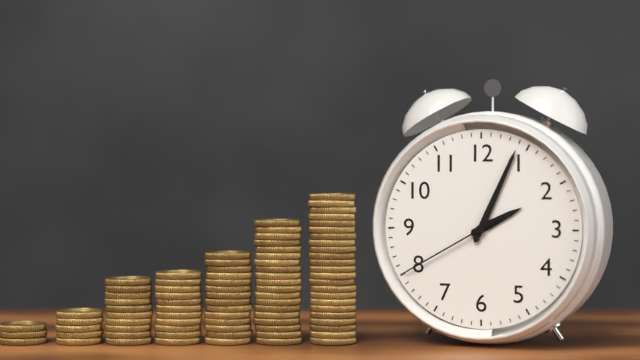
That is 2:04:40
